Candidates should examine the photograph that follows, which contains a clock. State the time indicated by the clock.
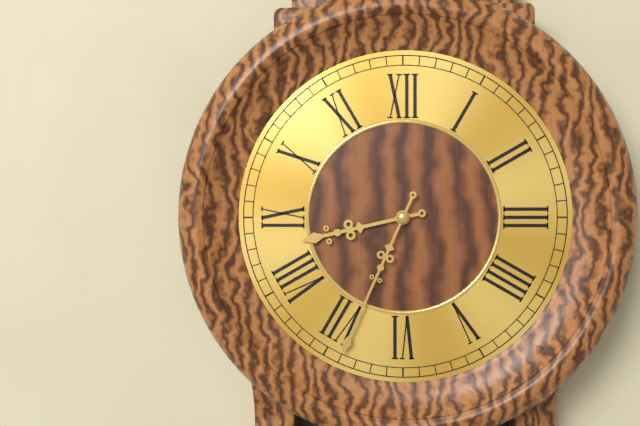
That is 8:34
